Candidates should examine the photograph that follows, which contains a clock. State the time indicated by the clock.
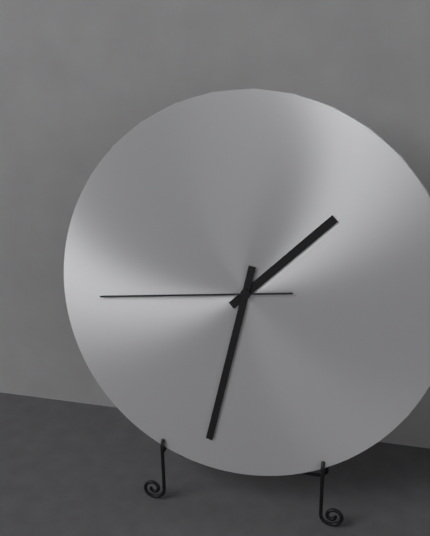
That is 1:32:44
